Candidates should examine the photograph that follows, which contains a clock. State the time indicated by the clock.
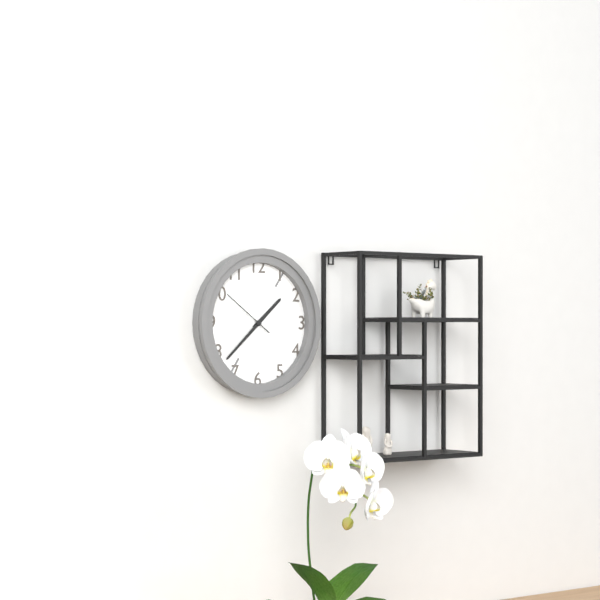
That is 1:38:51
